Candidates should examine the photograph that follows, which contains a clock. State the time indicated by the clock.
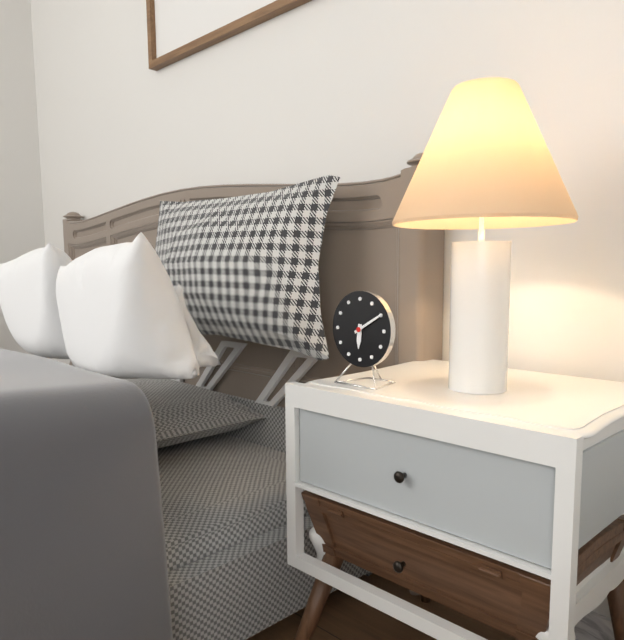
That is 6:10
